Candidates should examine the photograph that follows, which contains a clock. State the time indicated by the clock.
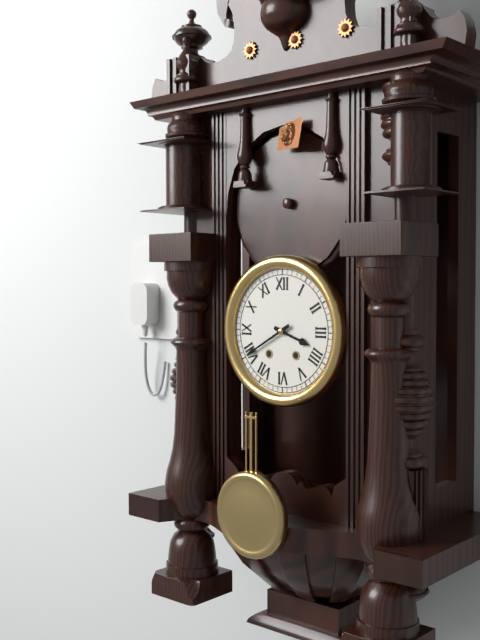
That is 3:40
